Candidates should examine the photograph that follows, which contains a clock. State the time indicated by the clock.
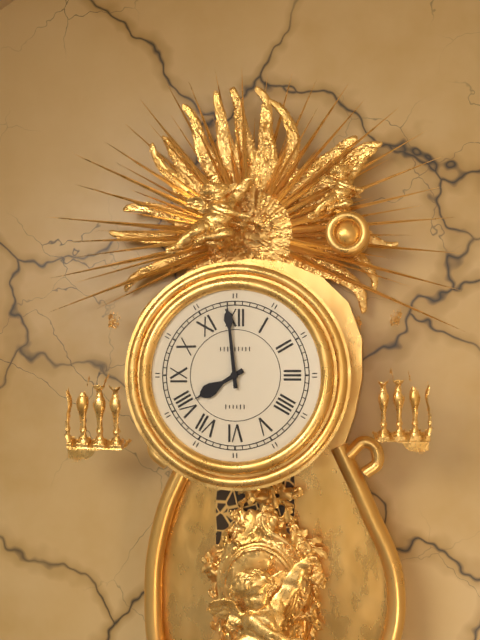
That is 7:59
